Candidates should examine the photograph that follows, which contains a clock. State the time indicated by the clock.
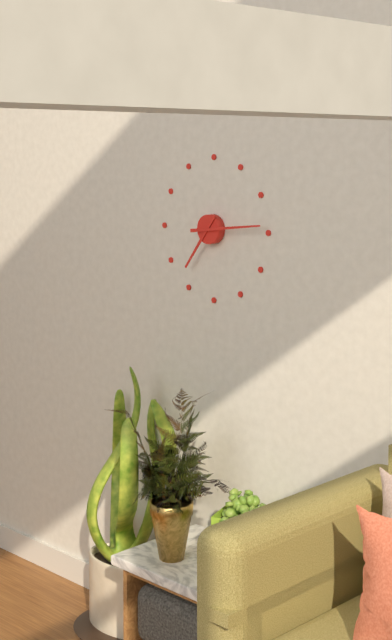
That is 7:14
